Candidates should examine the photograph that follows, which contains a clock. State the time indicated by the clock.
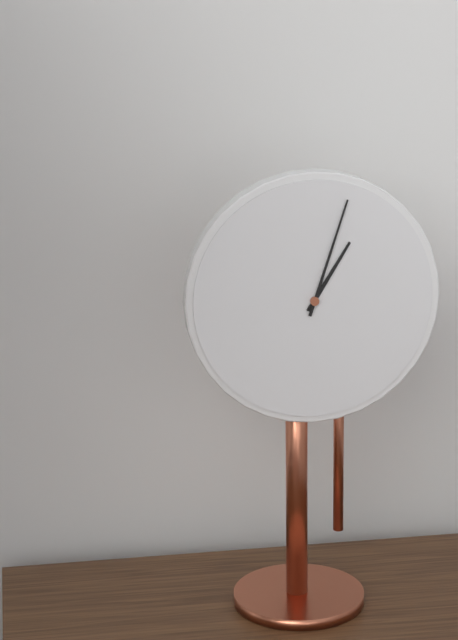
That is 1:03
